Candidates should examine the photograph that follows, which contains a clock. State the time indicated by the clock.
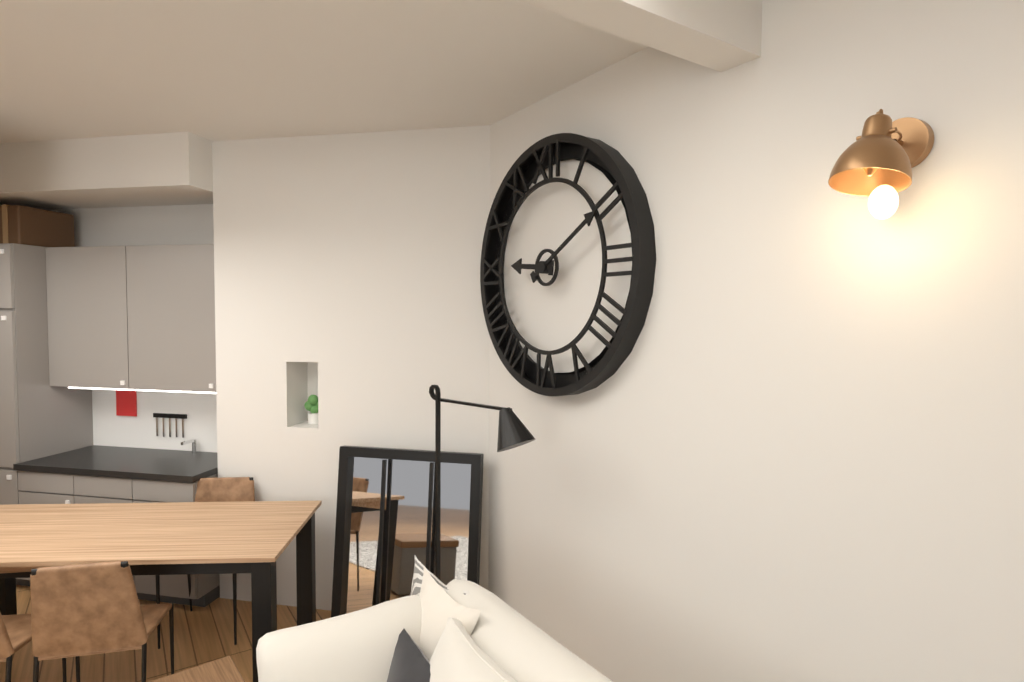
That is 9:10
